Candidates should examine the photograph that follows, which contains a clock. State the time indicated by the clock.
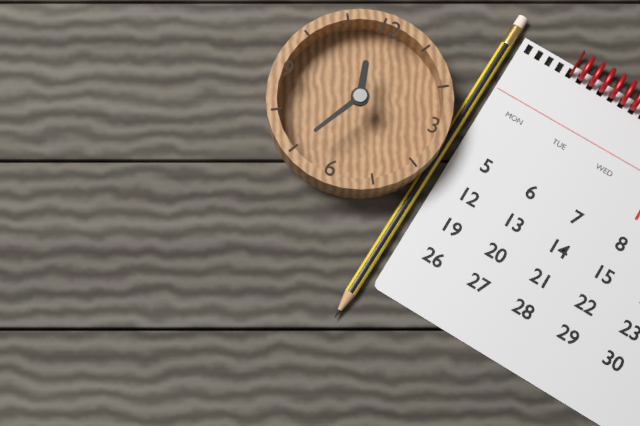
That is 11:35
